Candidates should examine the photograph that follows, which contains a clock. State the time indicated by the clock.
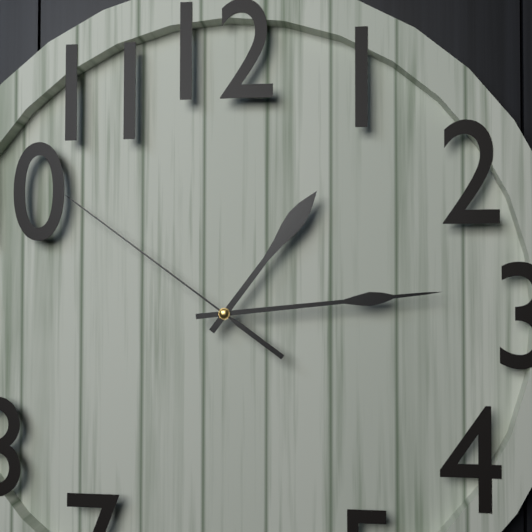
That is 1:14:51
